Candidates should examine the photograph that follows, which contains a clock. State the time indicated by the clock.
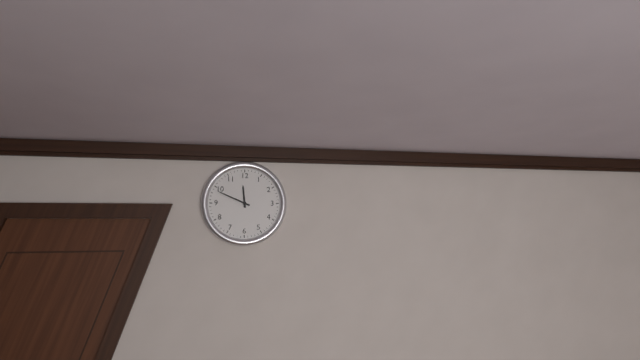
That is 11:49
